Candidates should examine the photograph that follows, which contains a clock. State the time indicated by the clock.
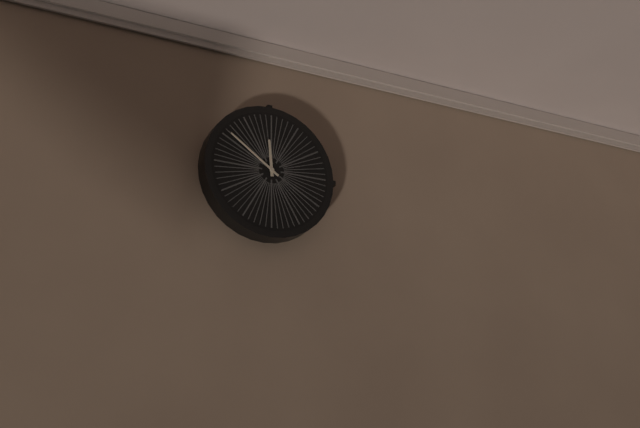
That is 11:51
